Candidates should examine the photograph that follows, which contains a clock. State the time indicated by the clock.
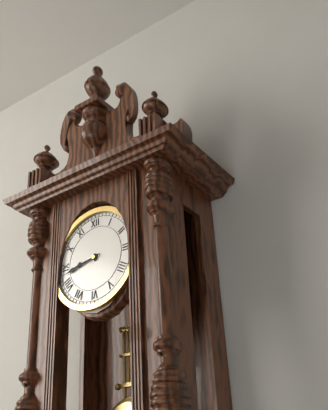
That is 8:43
